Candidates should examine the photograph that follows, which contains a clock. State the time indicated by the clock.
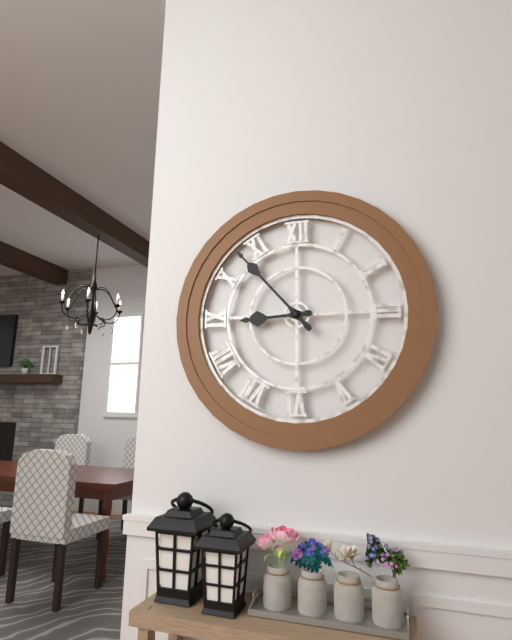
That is 8:53
